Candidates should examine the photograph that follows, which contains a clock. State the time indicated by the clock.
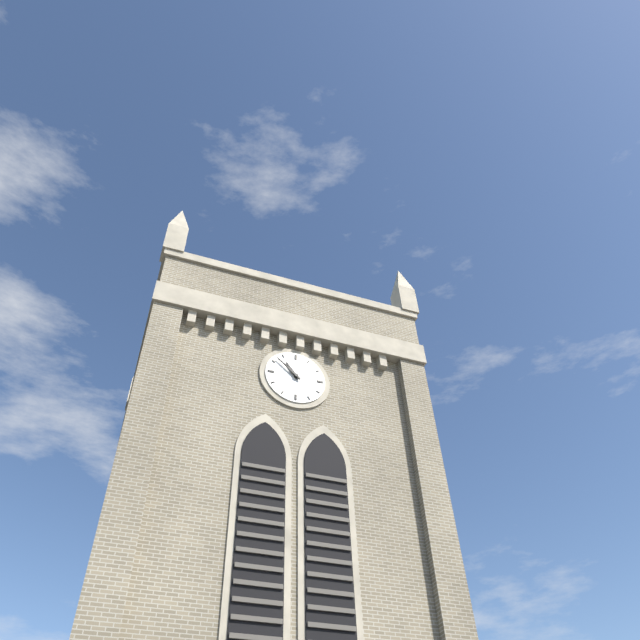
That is 10:52
